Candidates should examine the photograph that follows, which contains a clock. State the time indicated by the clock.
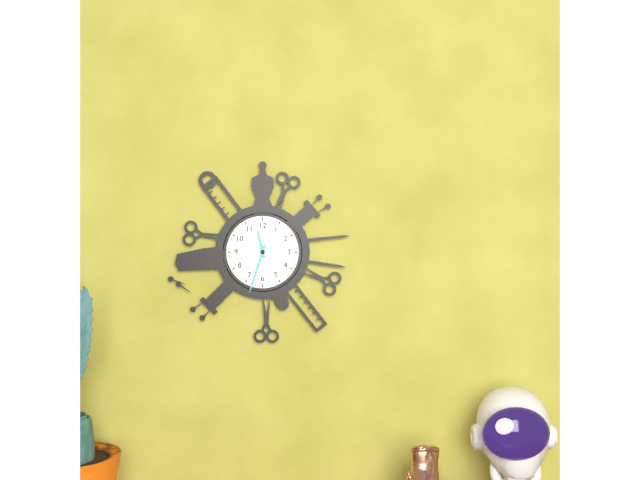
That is 11:33
